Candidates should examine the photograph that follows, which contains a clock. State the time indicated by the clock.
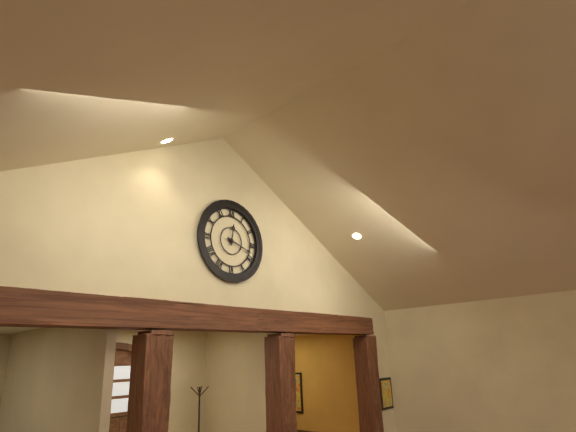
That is 12:18
